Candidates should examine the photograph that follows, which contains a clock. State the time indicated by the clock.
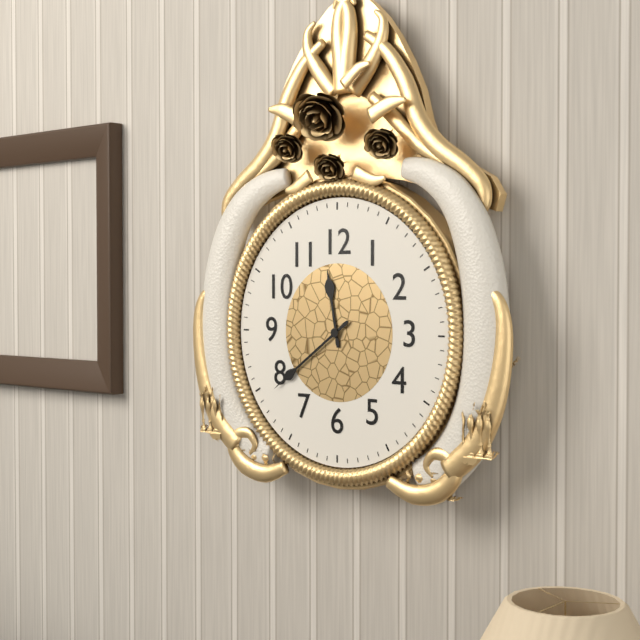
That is 11:39
